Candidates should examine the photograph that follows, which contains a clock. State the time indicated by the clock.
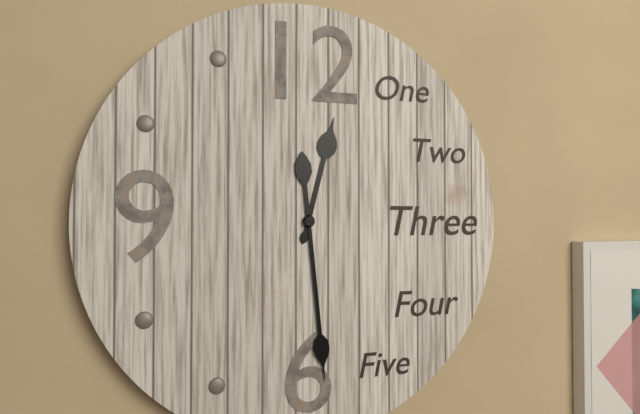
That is 12:29
